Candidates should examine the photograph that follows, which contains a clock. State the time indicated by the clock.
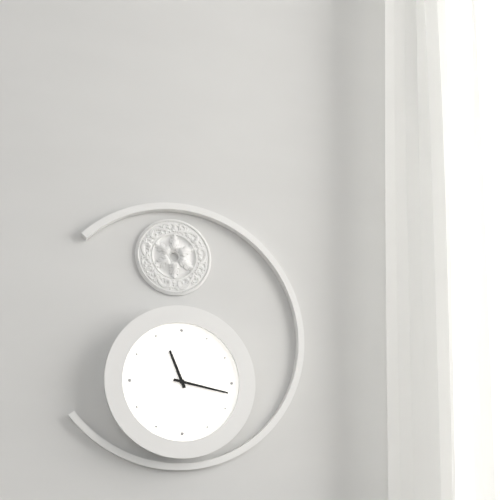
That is 11:17
